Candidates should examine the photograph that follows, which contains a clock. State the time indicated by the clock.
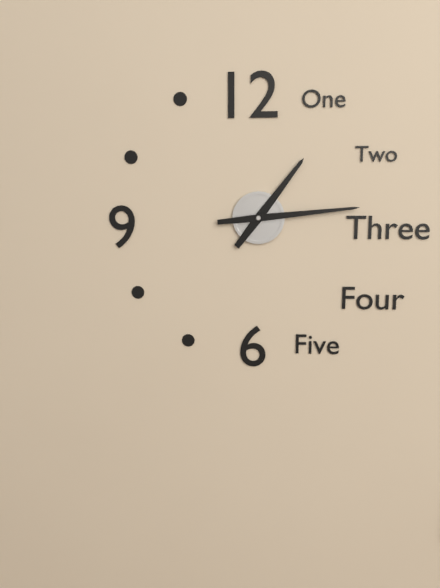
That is 1:14
